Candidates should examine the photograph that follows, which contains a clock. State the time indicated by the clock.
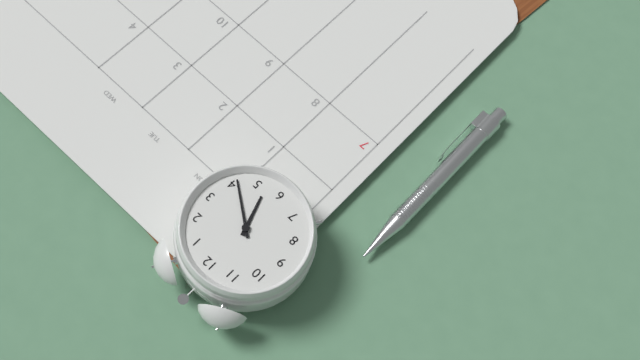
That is 5:21
